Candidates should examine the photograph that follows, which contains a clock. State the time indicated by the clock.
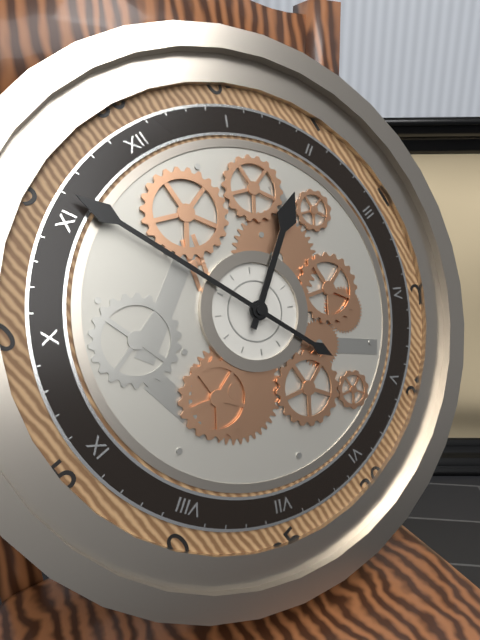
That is 1:56
